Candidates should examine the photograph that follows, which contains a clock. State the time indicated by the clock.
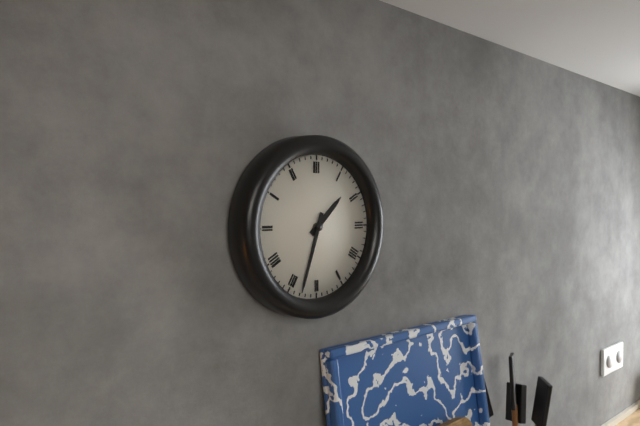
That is 1:33
